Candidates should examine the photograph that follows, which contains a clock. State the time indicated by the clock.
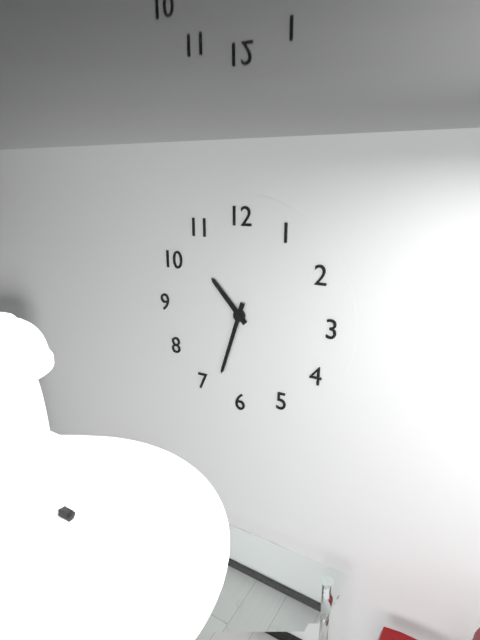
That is 10:33
